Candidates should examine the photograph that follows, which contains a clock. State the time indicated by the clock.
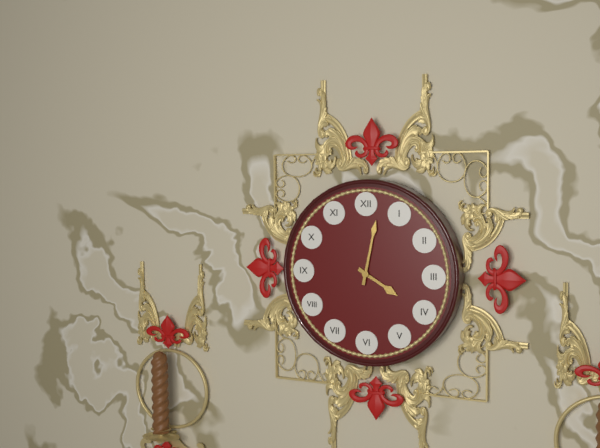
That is 4:02
